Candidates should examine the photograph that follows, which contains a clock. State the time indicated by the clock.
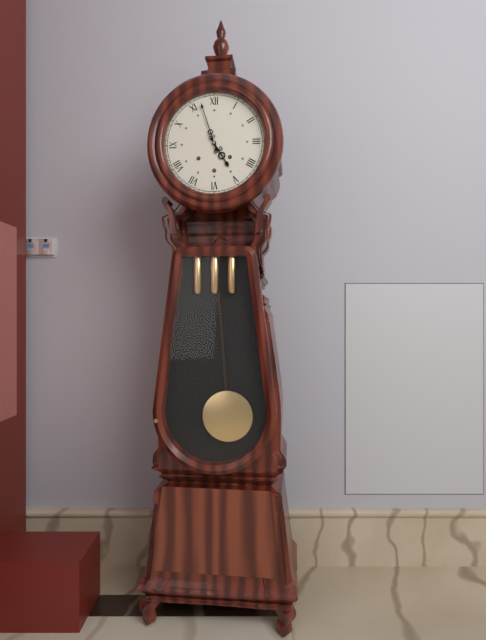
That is 4:57
